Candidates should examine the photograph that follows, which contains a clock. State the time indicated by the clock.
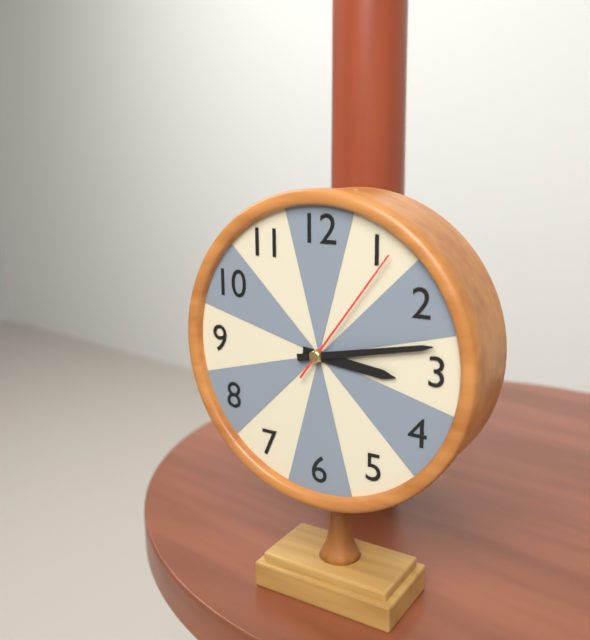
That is 3:13:06
